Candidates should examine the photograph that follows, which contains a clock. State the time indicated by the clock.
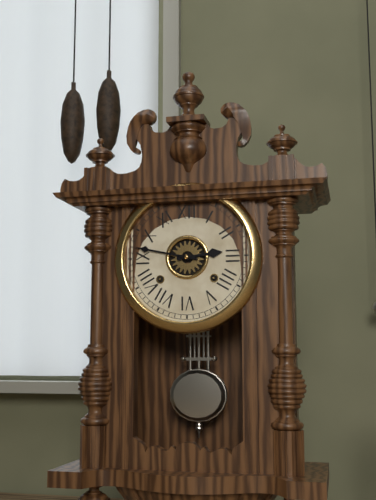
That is 2:47
